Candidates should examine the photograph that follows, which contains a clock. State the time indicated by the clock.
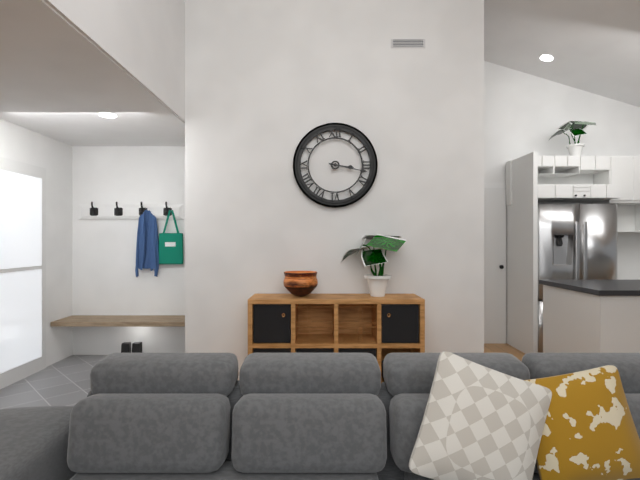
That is 3:17
